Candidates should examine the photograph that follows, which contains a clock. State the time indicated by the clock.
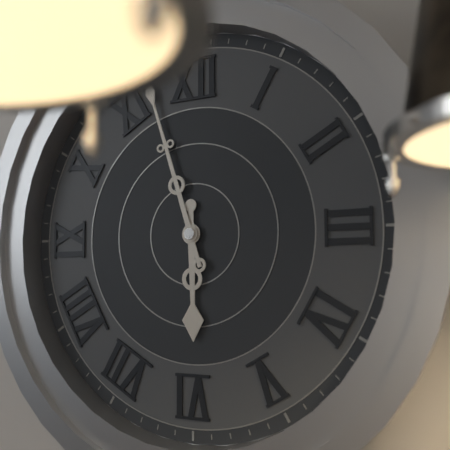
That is 5:57
